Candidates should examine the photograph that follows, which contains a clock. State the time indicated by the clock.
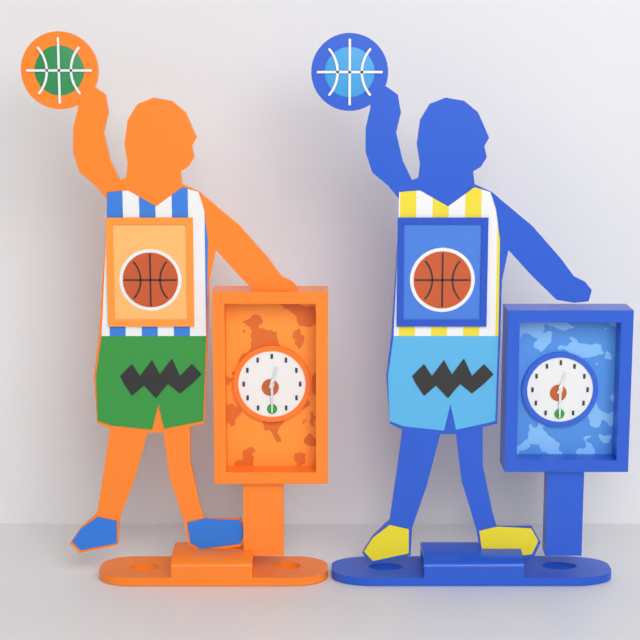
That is 12:30
